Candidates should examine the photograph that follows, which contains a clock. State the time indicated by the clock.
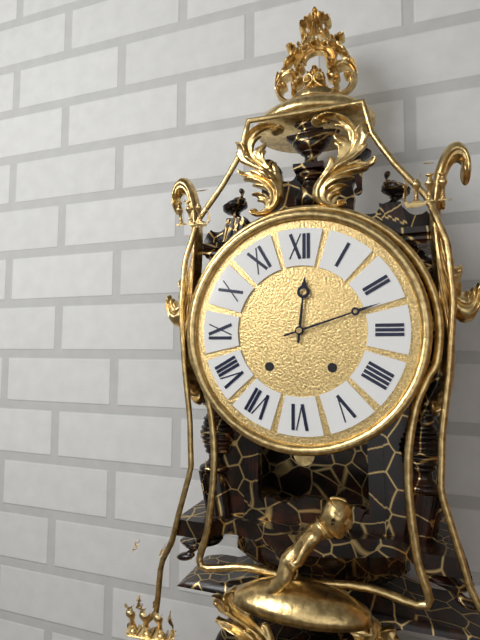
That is 12:12
